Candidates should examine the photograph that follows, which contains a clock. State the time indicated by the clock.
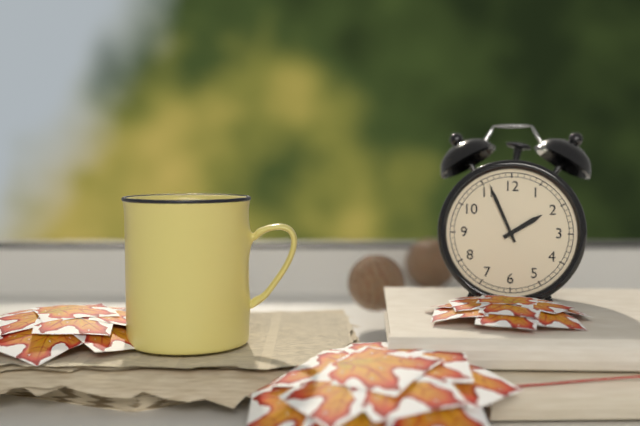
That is 1:56
